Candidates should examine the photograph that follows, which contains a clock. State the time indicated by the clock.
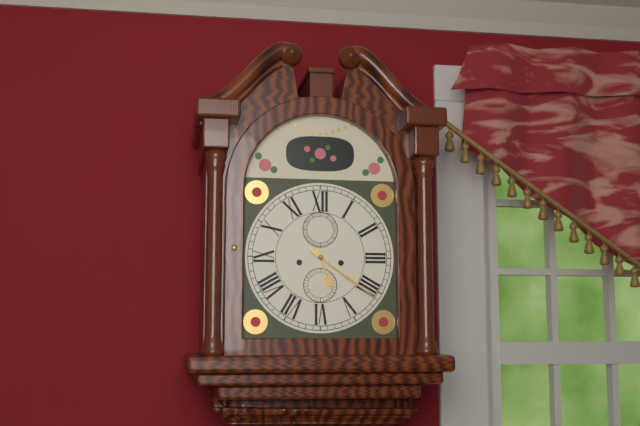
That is 5:21
